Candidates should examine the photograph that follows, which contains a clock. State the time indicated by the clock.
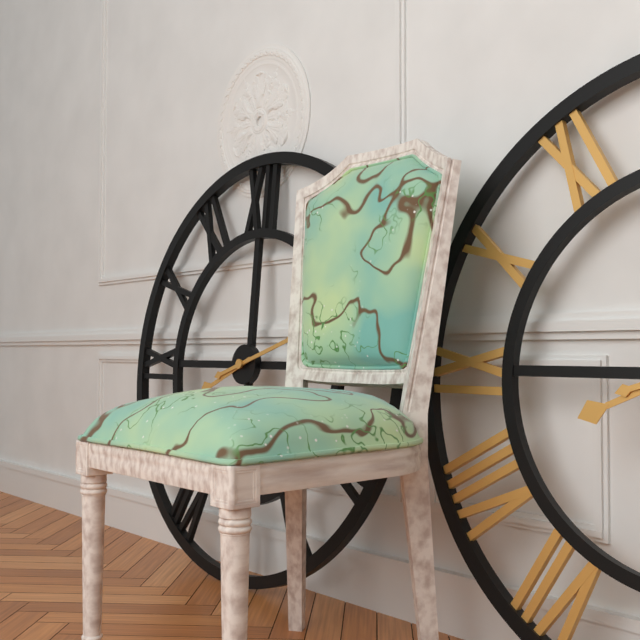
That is 8:12
